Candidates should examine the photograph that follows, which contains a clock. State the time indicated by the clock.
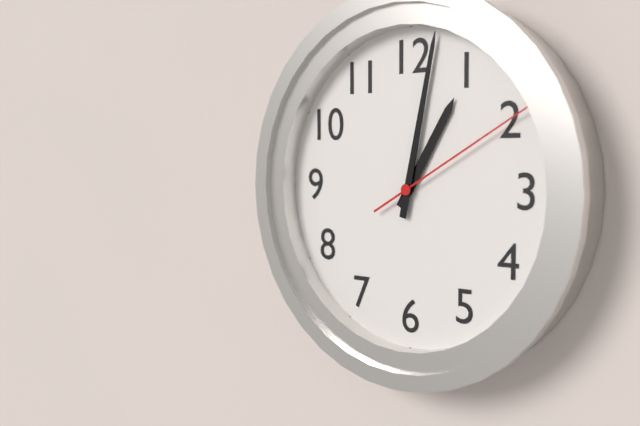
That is 1:02:10
